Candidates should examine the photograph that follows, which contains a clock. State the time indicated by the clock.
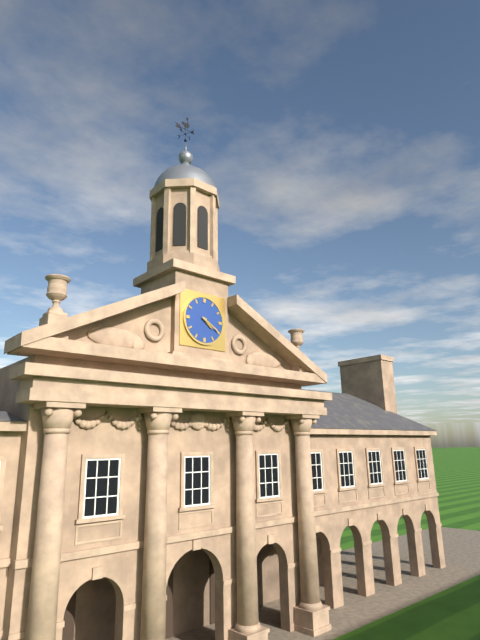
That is 4:20
